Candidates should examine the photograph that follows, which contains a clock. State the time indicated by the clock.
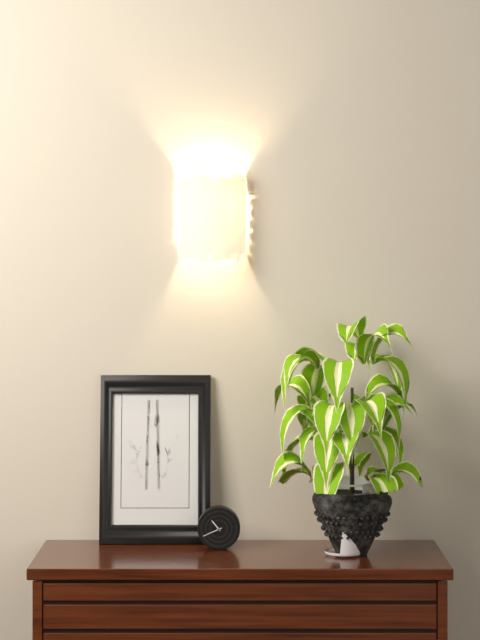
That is 10:41
